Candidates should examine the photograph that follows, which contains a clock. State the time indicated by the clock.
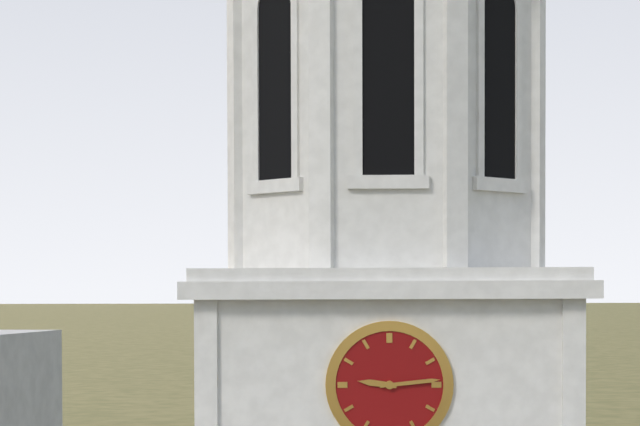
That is 9:14
